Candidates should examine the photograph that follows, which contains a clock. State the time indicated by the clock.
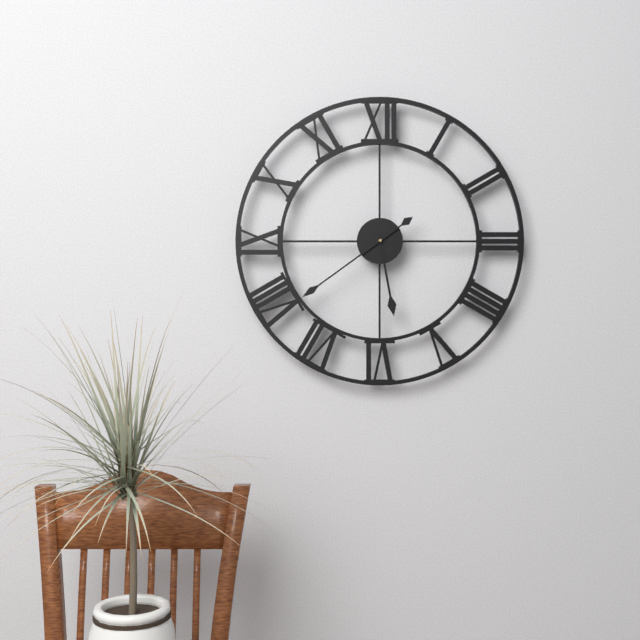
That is 5:39
